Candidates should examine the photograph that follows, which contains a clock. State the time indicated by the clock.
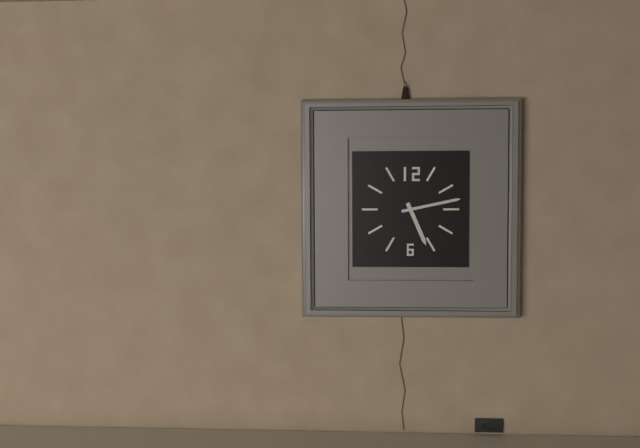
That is 5:13
